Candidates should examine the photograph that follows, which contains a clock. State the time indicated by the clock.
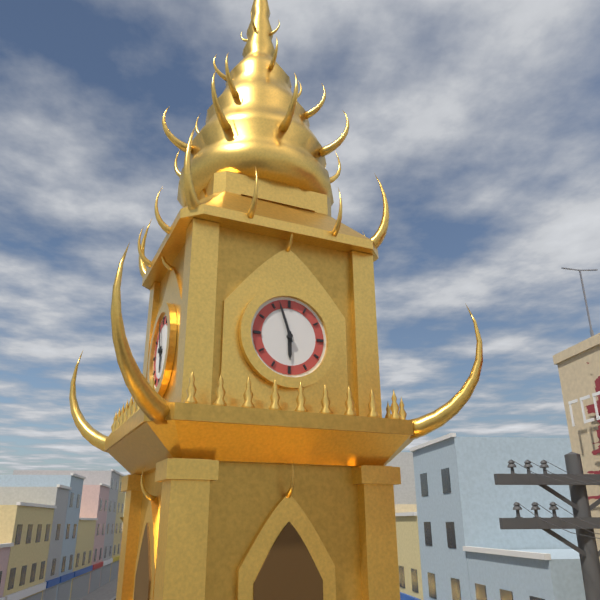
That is 5:57
